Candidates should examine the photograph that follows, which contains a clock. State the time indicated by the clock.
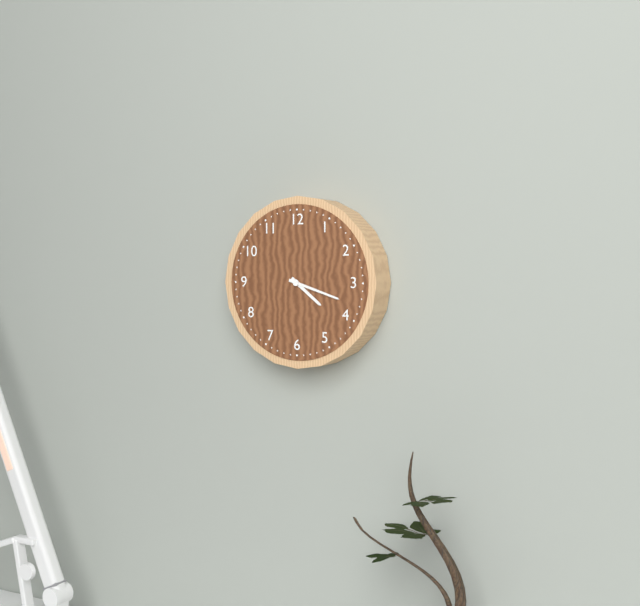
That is 4:18
